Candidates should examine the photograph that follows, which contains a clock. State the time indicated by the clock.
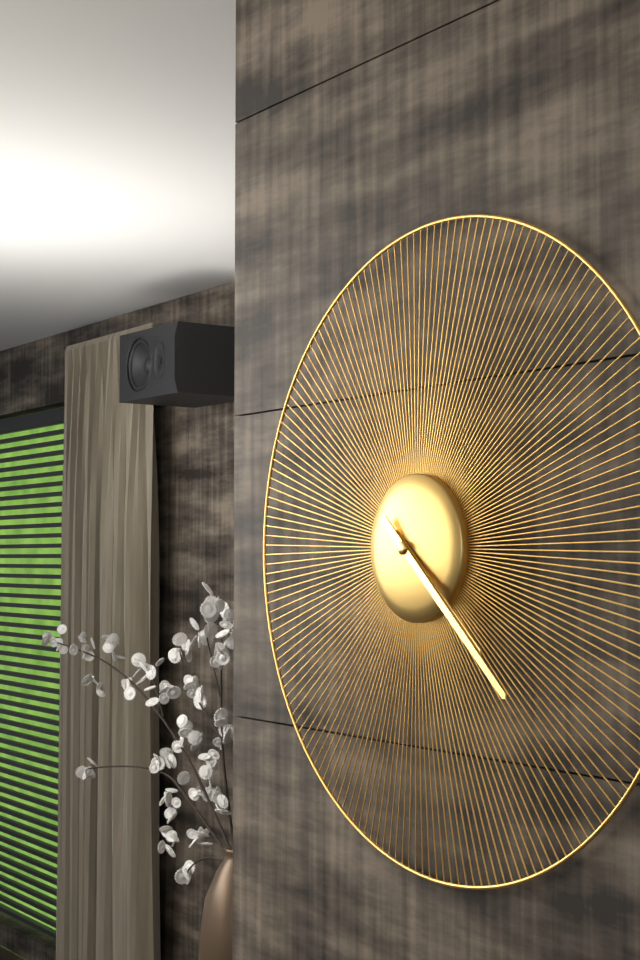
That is 4:22
